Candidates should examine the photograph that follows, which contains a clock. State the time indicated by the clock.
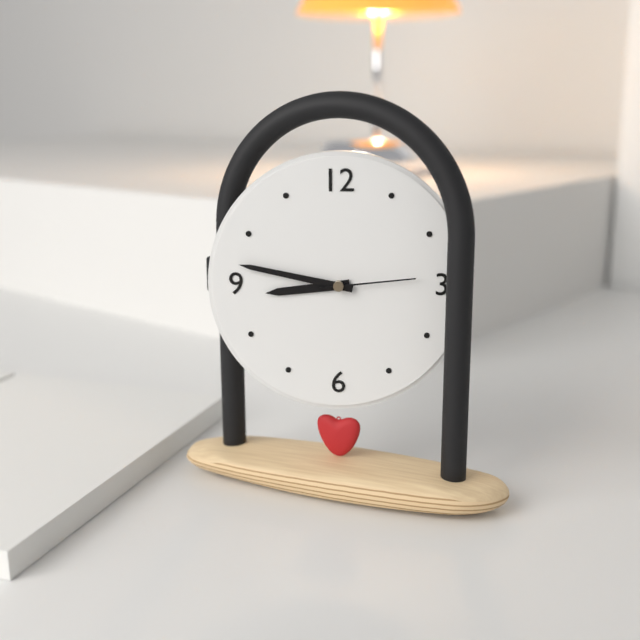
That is 8:47:14
